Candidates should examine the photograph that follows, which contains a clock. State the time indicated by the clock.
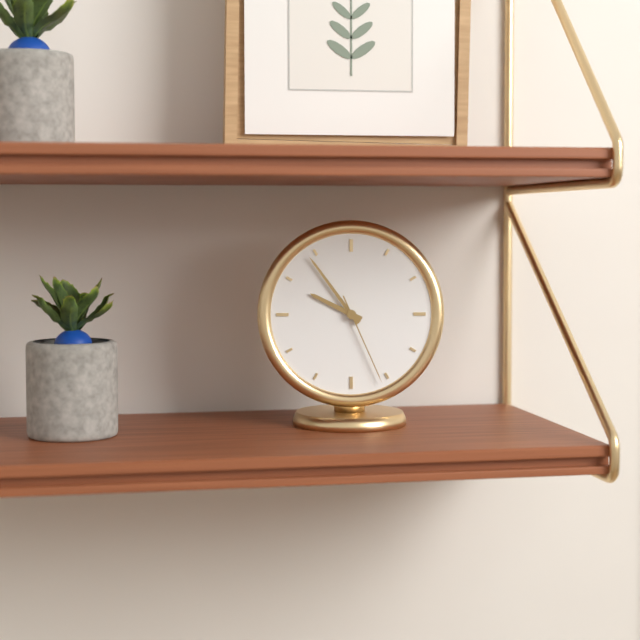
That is 9:54:26
